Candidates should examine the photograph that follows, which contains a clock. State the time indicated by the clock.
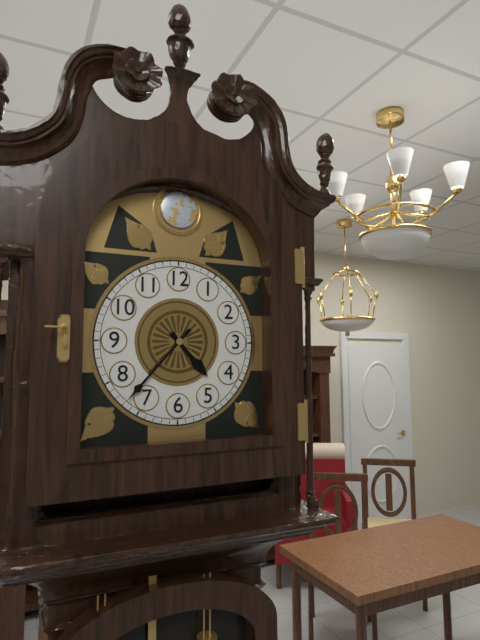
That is 4:37
